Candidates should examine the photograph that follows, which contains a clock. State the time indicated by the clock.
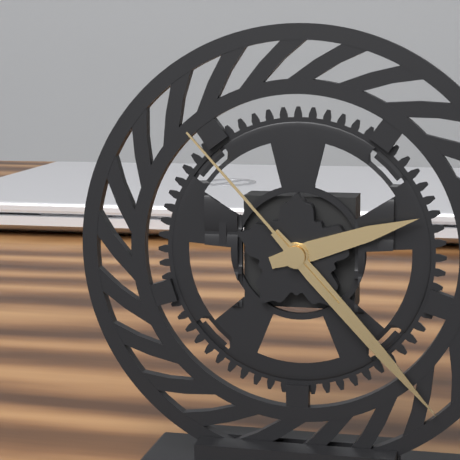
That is 2:23:53
